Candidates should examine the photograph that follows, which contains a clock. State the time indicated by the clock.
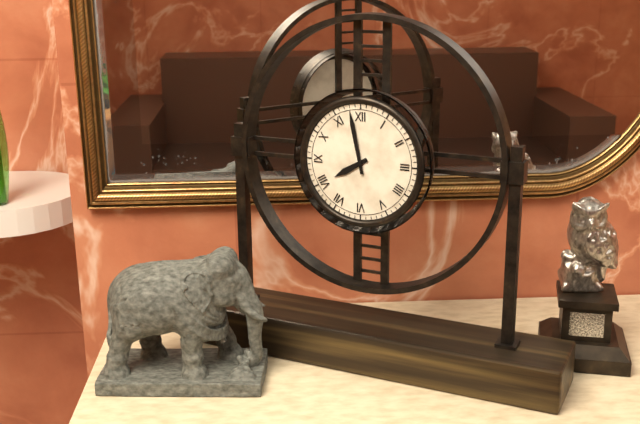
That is 7:58
